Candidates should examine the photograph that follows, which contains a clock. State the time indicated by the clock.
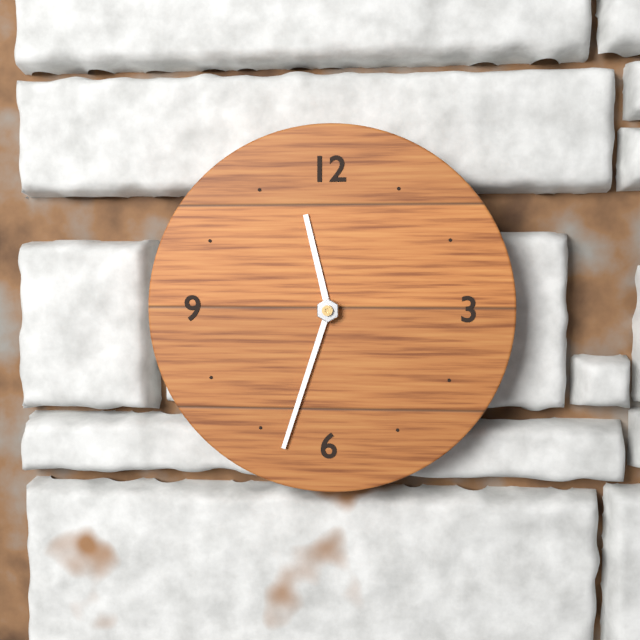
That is 11:33
